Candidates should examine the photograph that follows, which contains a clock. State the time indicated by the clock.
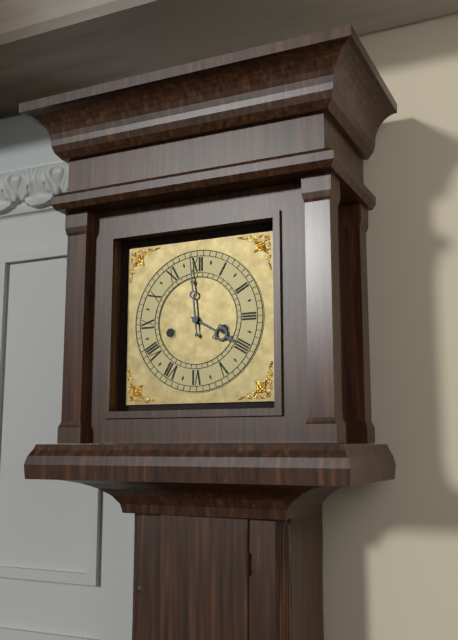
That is 3:59
